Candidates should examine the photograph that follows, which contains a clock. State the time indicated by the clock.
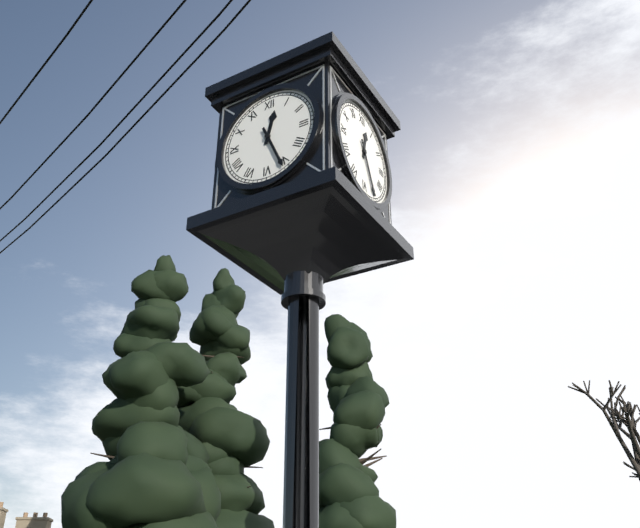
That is 12:26
